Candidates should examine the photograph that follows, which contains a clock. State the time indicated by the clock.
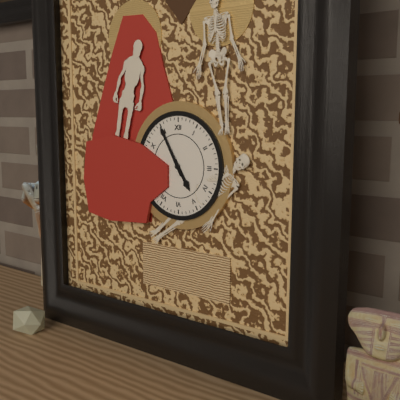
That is 4:55
